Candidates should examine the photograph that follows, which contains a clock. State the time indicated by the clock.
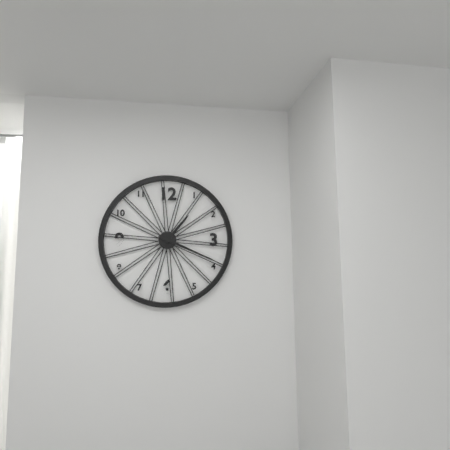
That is 1:19
